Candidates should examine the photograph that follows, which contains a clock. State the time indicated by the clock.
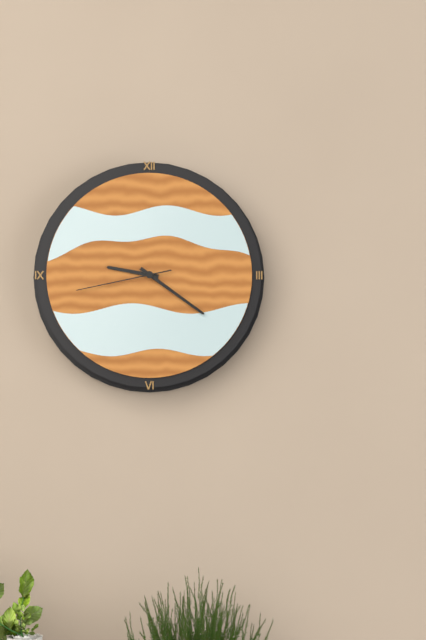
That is 9:21:43
